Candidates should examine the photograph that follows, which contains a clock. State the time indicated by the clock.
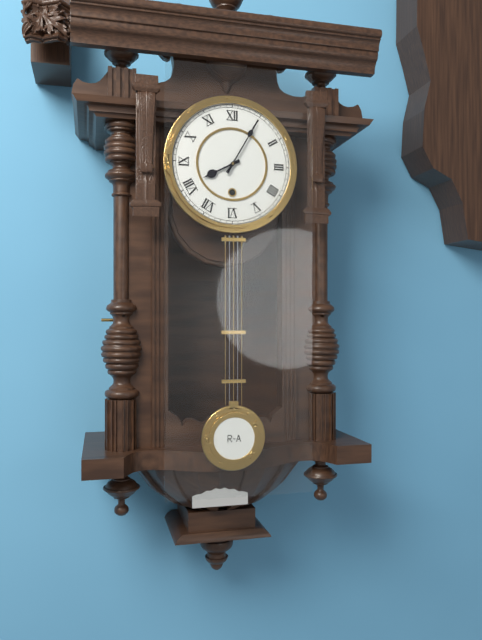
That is 8:05
